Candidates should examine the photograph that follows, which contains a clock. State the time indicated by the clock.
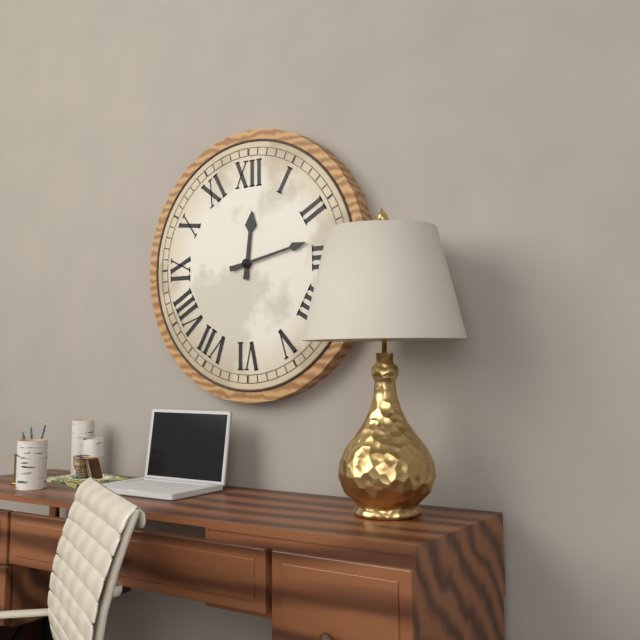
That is 12:13
